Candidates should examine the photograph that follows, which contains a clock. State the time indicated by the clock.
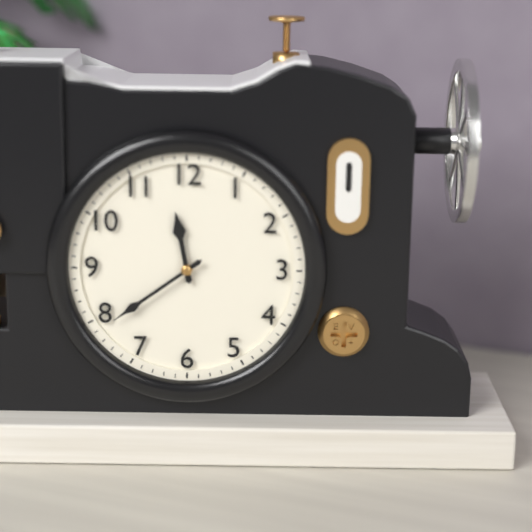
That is 11:39
